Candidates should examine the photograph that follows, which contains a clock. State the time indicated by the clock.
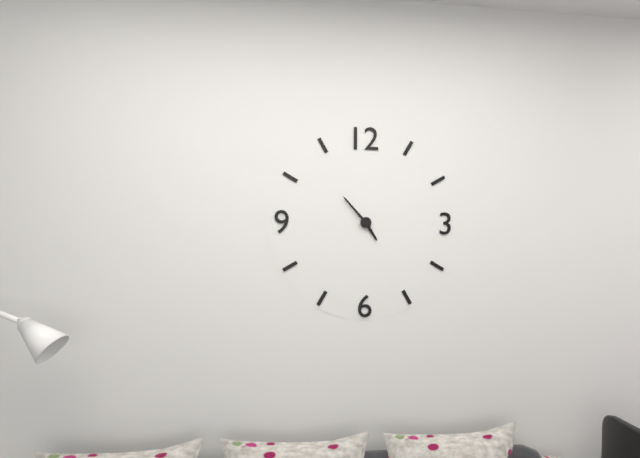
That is 4:53
